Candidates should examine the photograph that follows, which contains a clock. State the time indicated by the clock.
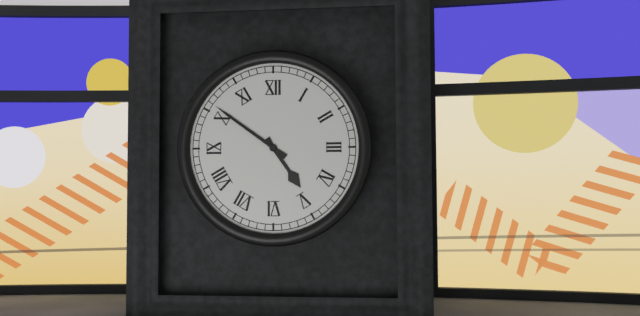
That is 4:51
